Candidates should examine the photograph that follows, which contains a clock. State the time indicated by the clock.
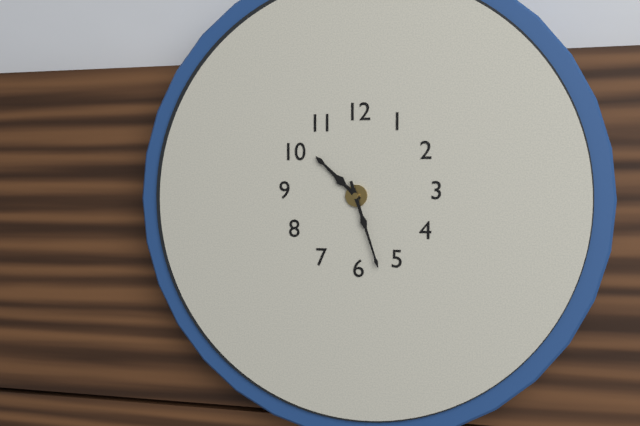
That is 10:27
